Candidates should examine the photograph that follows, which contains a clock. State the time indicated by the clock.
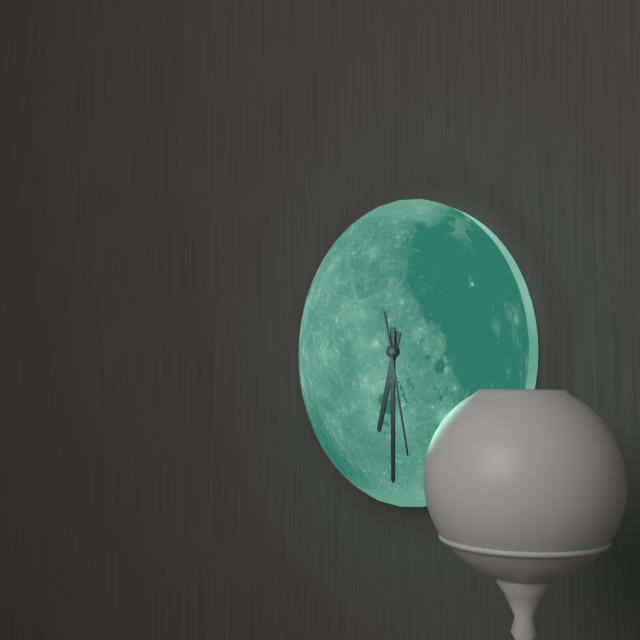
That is 6:30:28
